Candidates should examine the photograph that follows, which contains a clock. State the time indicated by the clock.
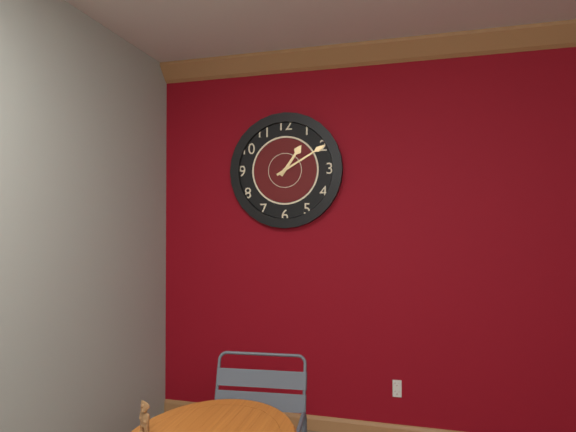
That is 1:10
